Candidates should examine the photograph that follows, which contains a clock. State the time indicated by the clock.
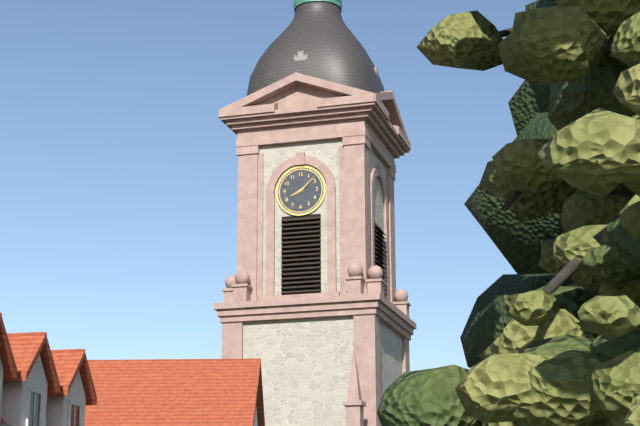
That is 8:08
